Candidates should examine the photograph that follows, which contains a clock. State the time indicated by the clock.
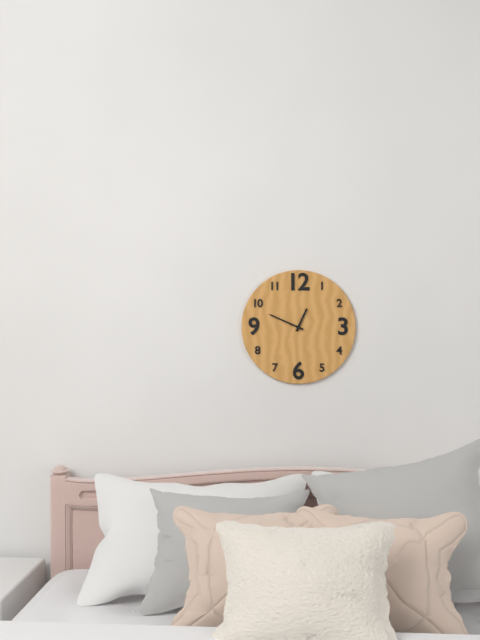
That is 12:49
